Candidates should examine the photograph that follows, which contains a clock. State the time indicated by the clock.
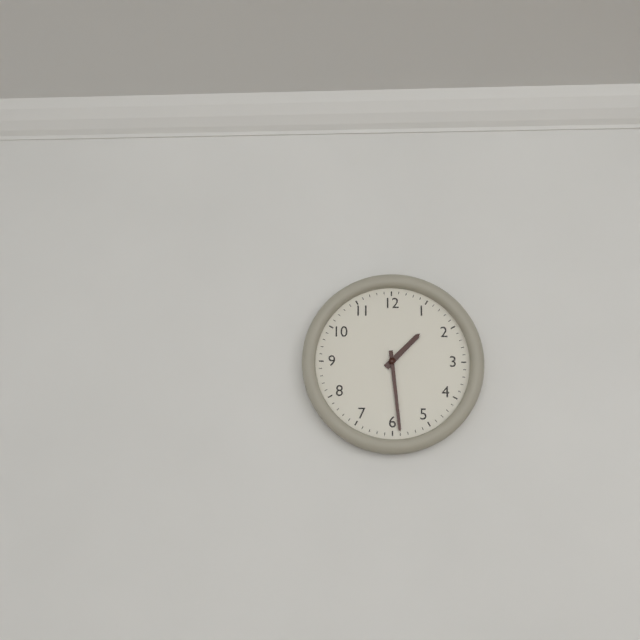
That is 1:29
